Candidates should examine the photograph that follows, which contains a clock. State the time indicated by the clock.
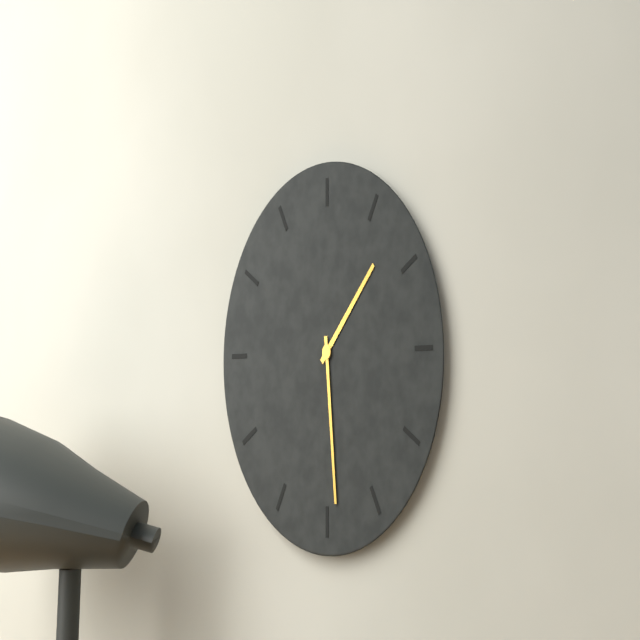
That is 1:29
